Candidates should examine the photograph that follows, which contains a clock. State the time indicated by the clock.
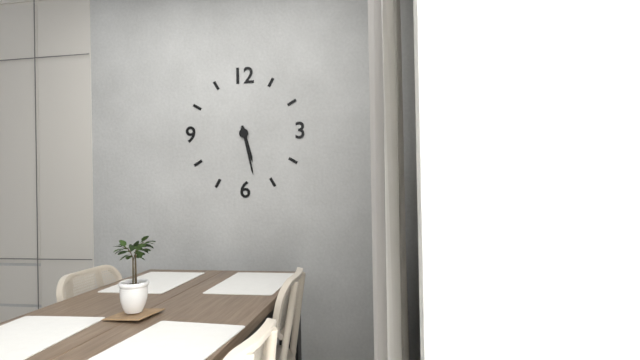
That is 5:28
